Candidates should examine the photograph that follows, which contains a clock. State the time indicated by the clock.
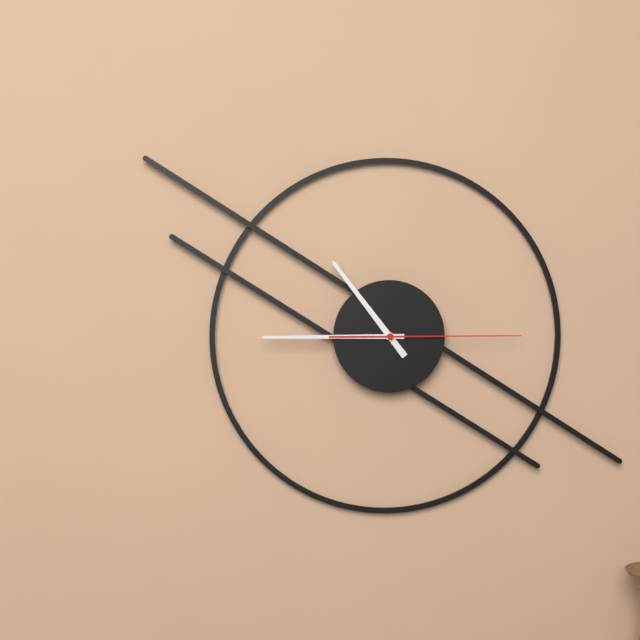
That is 10:45:15
